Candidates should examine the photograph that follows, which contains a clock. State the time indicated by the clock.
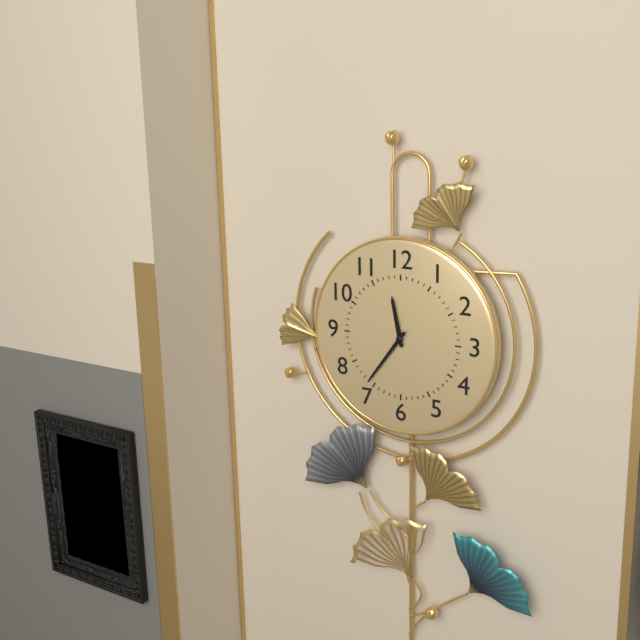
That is 11:36
